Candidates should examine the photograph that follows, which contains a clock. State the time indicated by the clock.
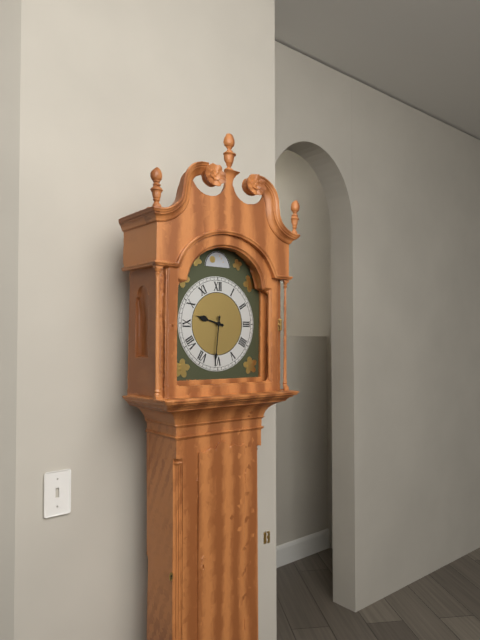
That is 9:31
